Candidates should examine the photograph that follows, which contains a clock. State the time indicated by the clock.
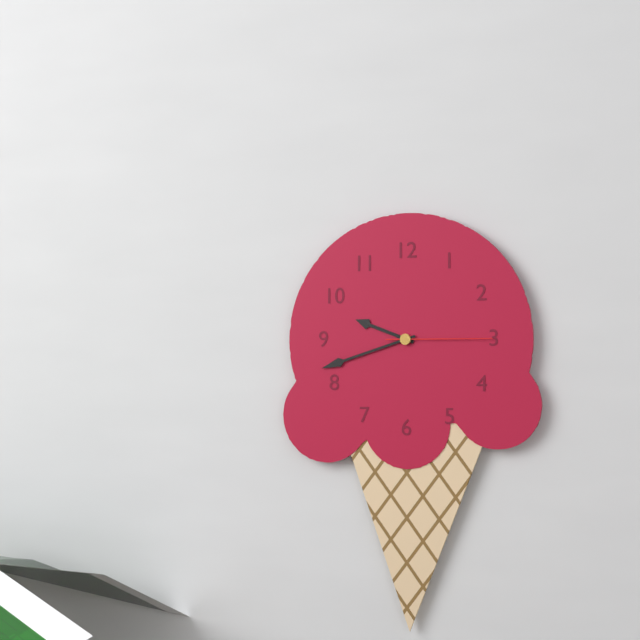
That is 9:42:15
